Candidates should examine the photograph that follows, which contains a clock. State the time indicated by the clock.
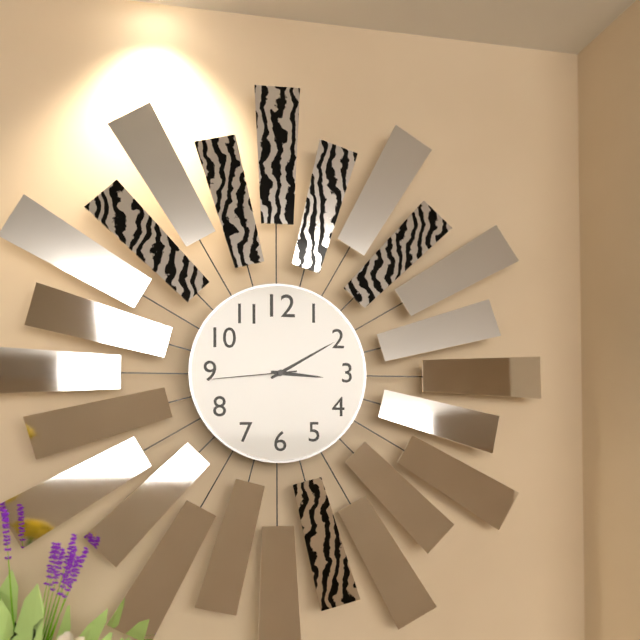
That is 3:10:44
